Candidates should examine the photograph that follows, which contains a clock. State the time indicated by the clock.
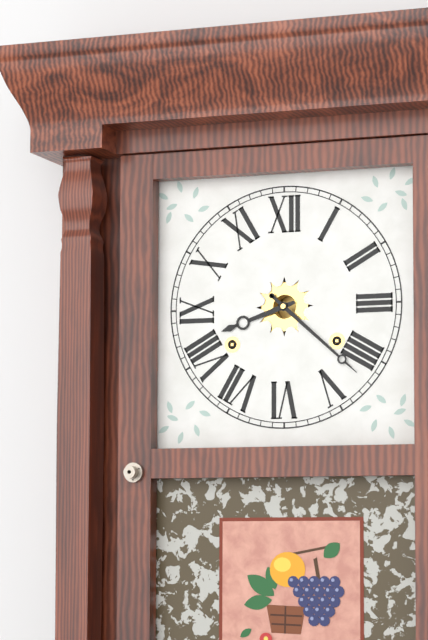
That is 8:22
